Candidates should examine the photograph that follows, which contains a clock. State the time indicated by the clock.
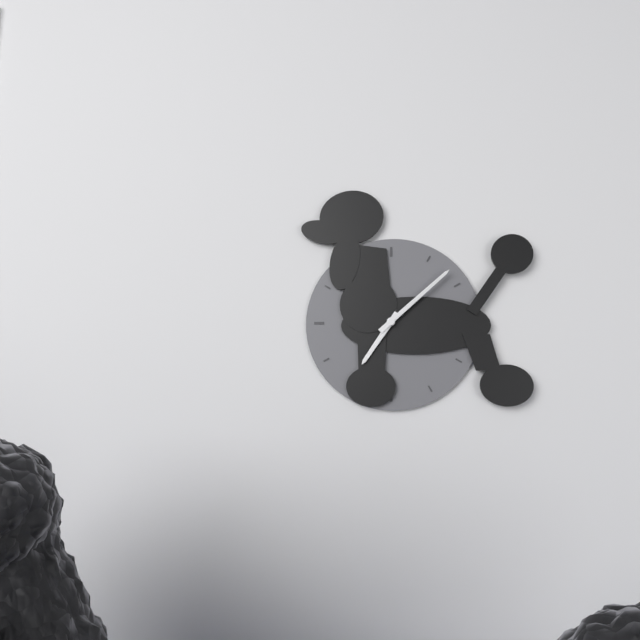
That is 7:08
